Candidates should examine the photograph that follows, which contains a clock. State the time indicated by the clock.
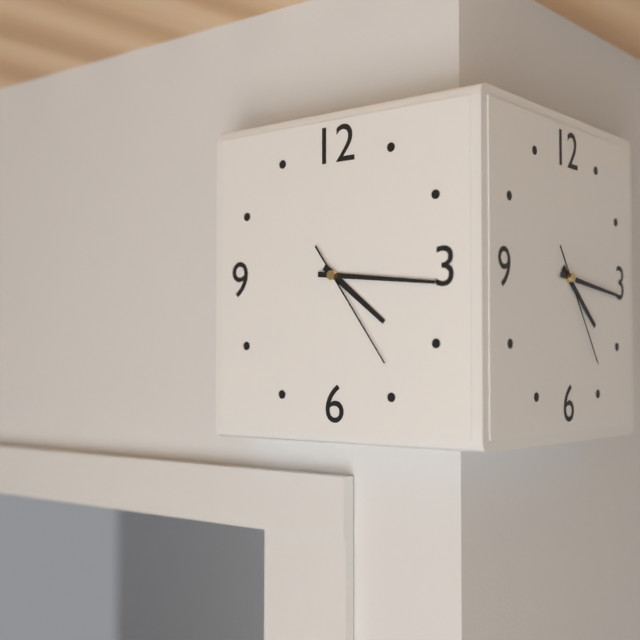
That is 4:16:24
